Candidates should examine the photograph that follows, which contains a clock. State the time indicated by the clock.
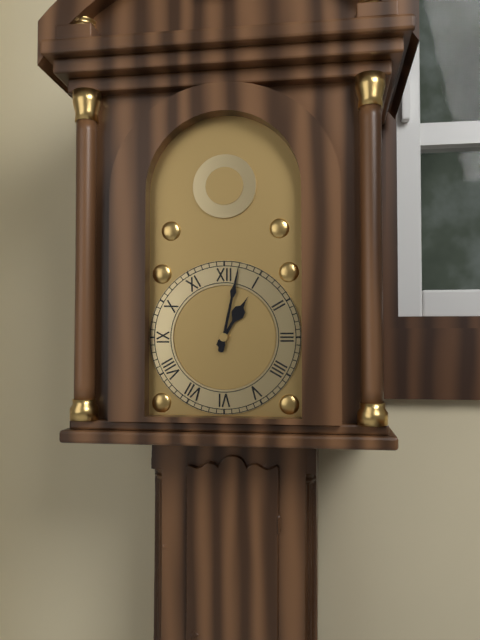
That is 1:02
